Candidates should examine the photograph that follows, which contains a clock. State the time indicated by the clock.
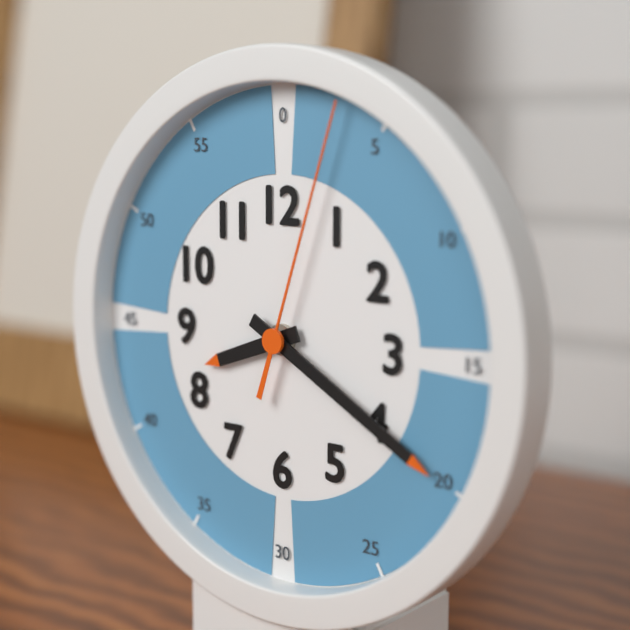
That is 8:20:03
